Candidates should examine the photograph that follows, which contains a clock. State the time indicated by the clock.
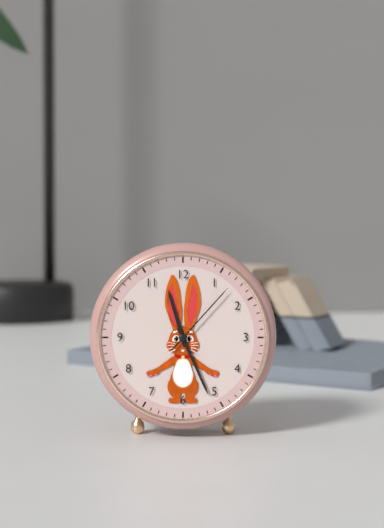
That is 11:26:07
